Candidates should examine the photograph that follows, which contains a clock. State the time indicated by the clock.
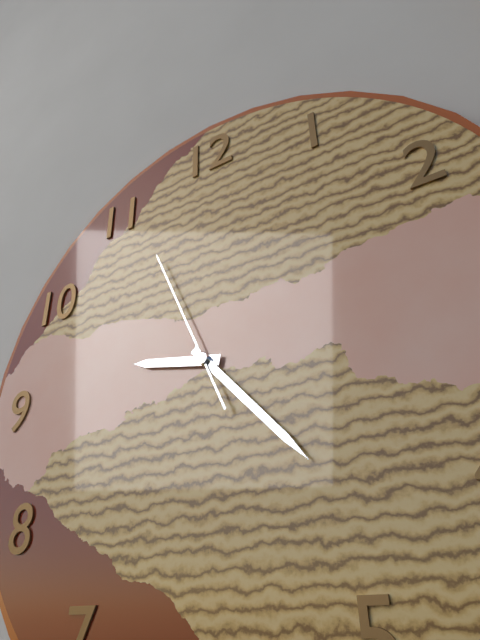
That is 9:23:56
